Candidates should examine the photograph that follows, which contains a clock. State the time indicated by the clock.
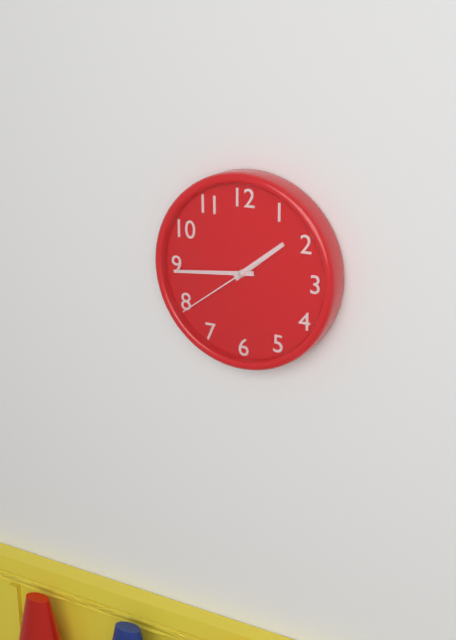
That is 1:44:39
